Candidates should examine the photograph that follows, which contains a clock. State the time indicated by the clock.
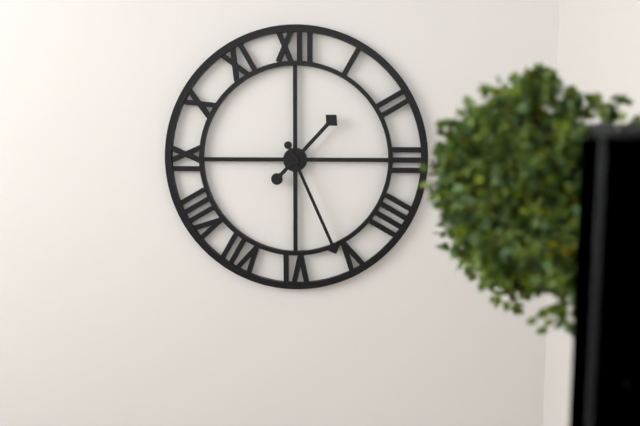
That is 1:26
